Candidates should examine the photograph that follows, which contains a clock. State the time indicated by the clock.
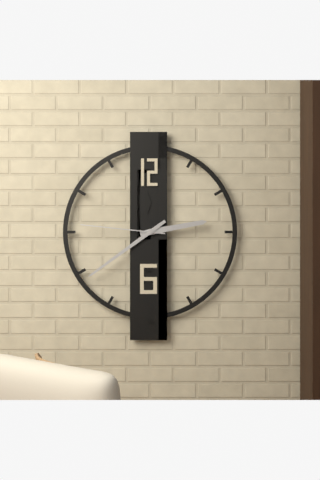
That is 2:39:46
